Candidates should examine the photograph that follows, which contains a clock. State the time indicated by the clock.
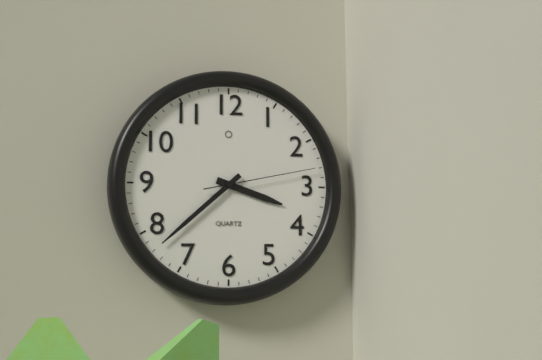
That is 3:38:13
